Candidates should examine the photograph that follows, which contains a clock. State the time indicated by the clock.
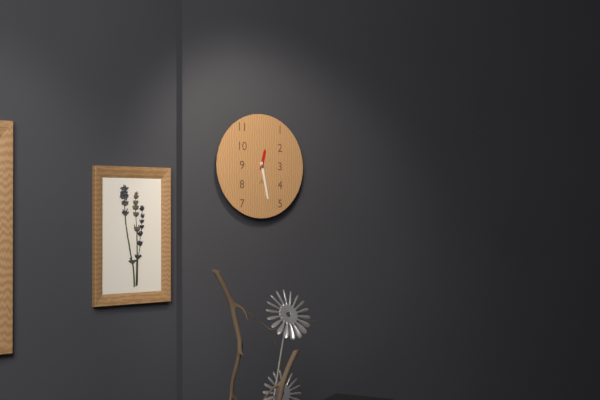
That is 12:28
